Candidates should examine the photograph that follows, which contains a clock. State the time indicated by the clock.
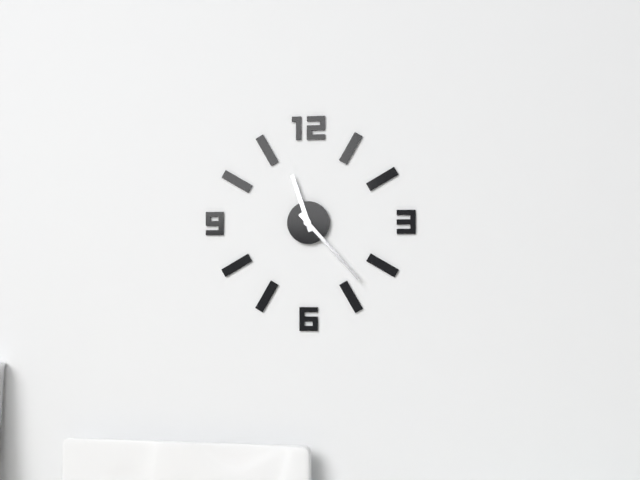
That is 11:23
